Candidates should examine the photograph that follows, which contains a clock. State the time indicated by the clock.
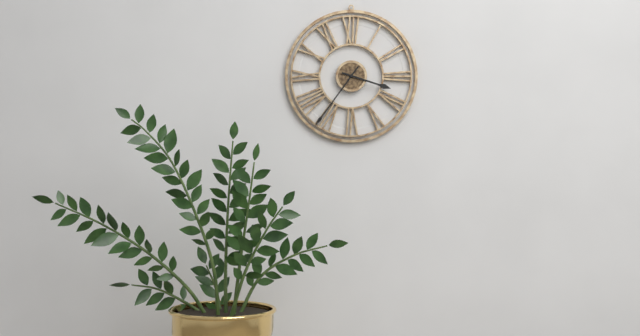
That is 3:36
